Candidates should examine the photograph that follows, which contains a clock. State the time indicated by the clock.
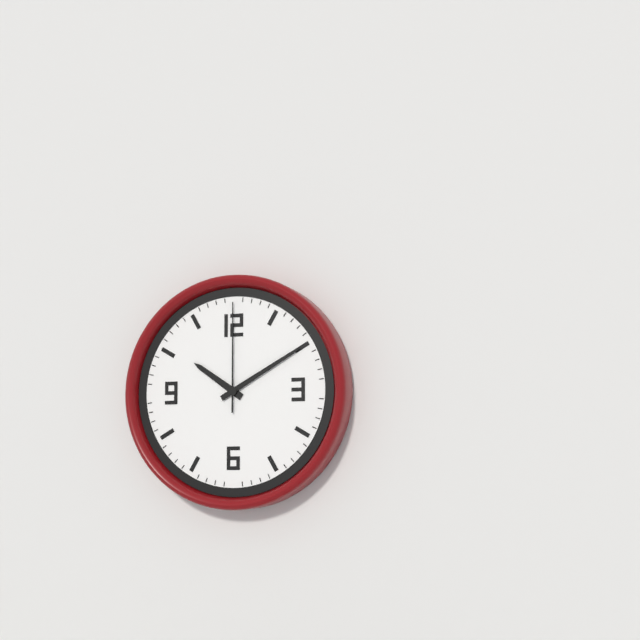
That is 10:10:00
